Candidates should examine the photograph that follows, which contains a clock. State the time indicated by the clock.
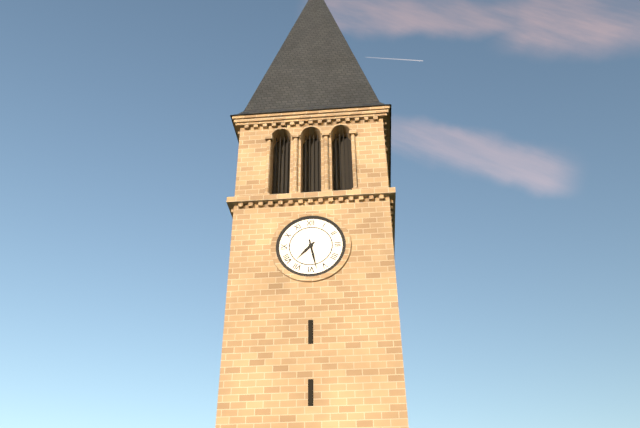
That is 7:28
